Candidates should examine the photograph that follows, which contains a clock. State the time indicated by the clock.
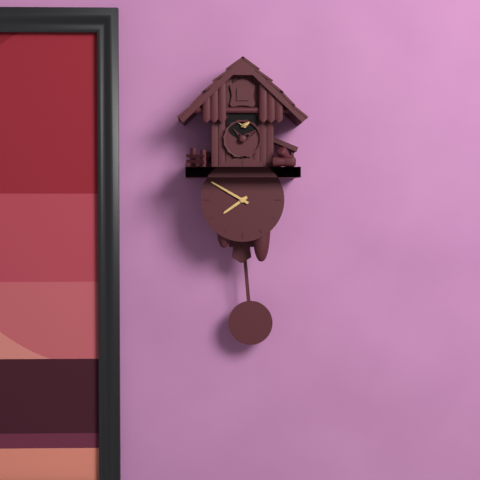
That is 7:50
